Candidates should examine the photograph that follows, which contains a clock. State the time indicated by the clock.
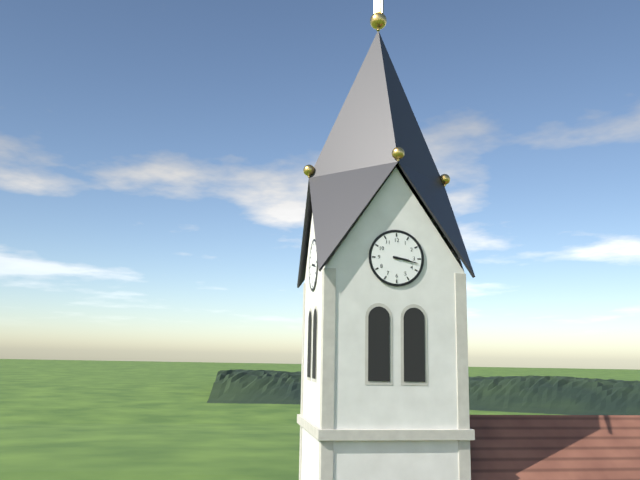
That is 3:17
